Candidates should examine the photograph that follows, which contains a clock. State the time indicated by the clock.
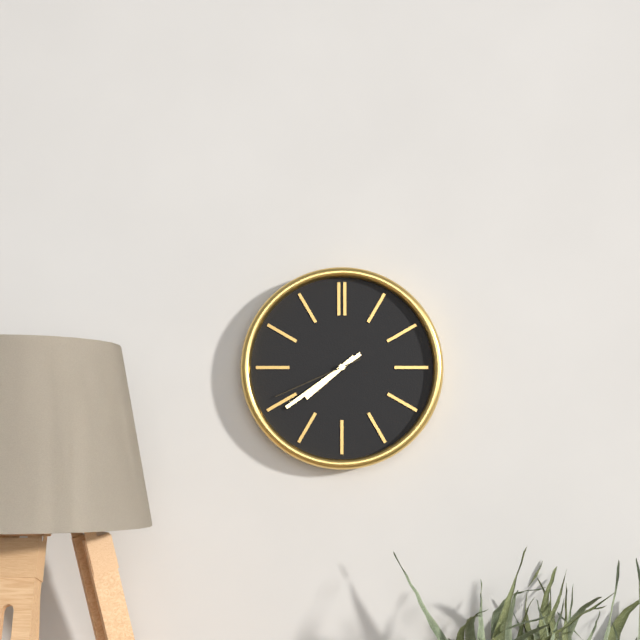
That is 7:39:41
